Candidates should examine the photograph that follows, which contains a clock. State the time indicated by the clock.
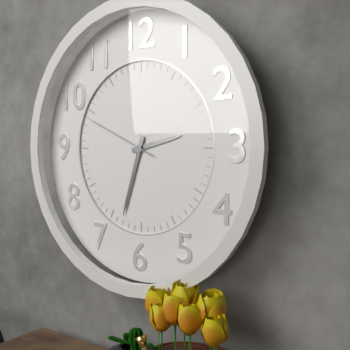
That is 2:33:49
